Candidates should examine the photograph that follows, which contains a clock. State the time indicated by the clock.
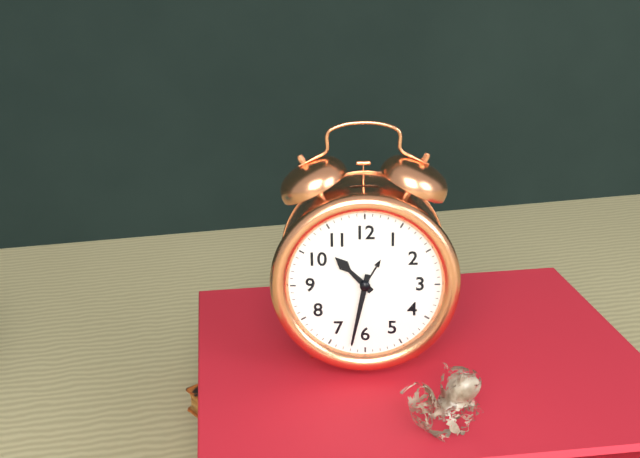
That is 10:32
